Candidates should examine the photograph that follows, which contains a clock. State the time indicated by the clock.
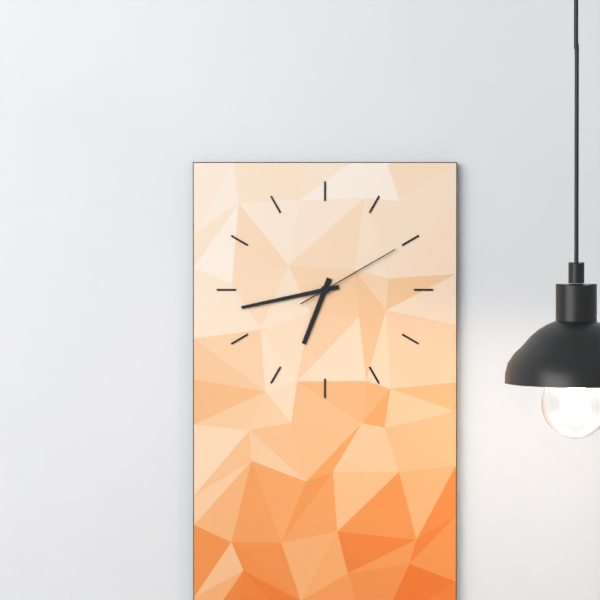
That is 6:43:10
